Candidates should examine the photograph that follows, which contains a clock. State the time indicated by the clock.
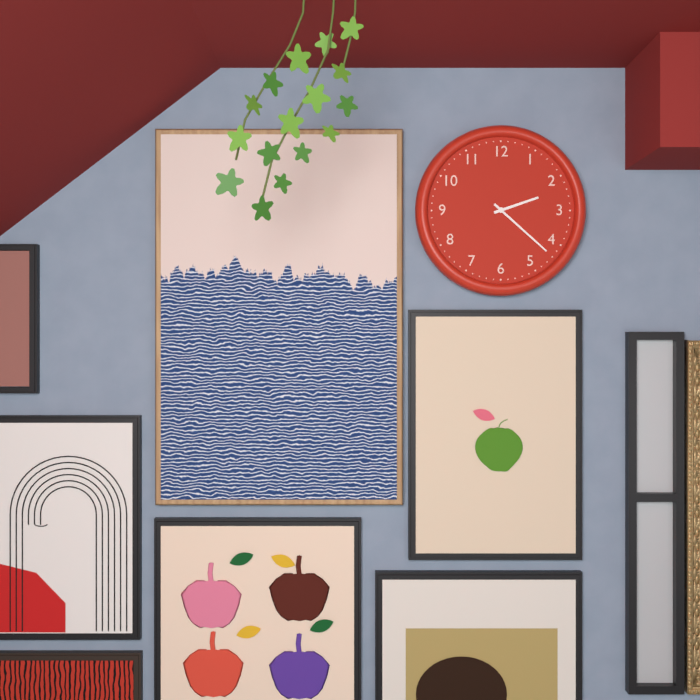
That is 2:22
